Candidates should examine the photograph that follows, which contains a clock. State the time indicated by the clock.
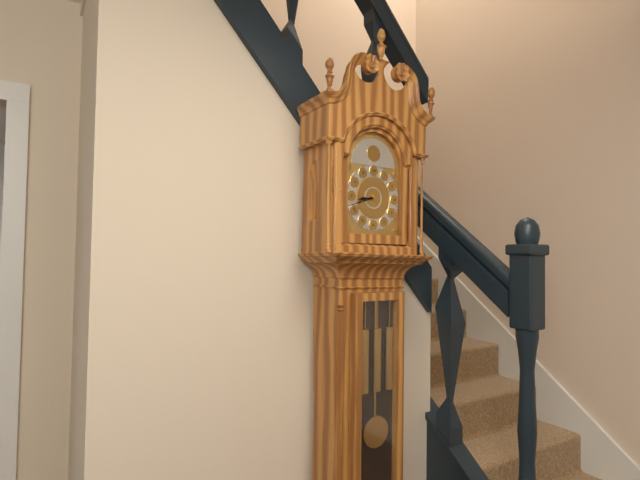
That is 8:42
